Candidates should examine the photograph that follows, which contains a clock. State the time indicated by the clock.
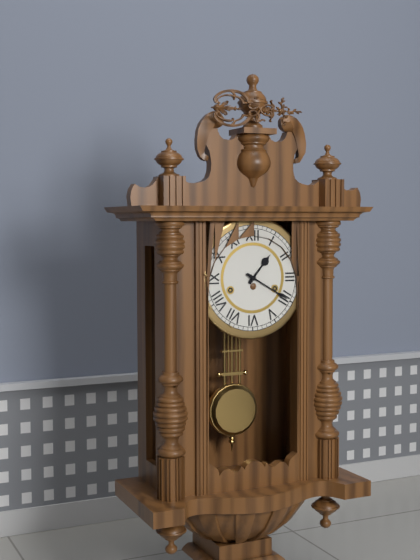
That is 1:20
